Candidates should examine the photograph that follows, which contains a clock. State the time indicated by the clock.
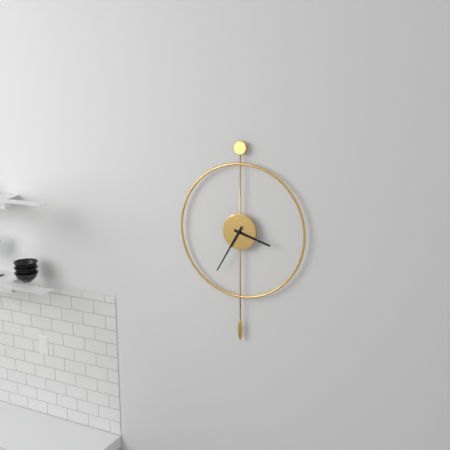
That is 3:35
